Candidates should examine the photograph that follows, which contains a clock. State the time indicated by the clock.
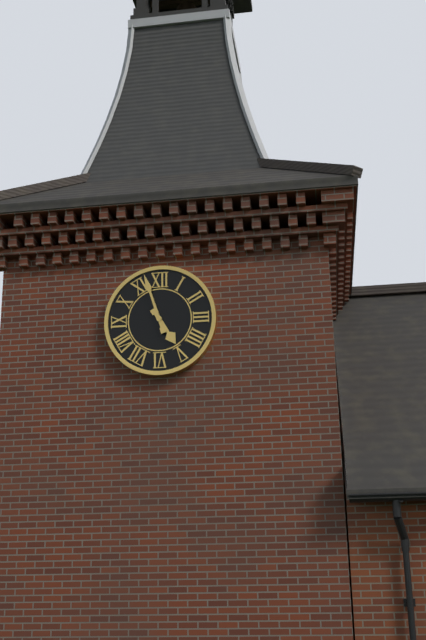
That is 4:57
